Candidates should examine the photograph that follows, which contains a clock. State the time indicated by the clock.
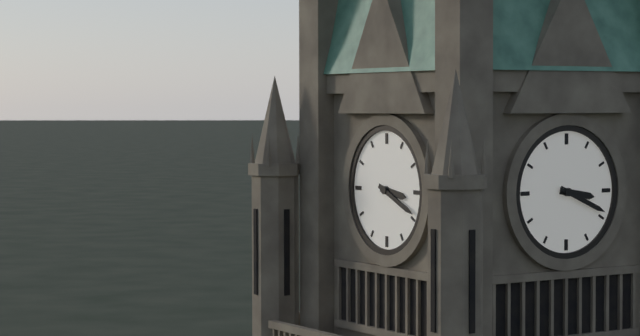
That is 3:19
